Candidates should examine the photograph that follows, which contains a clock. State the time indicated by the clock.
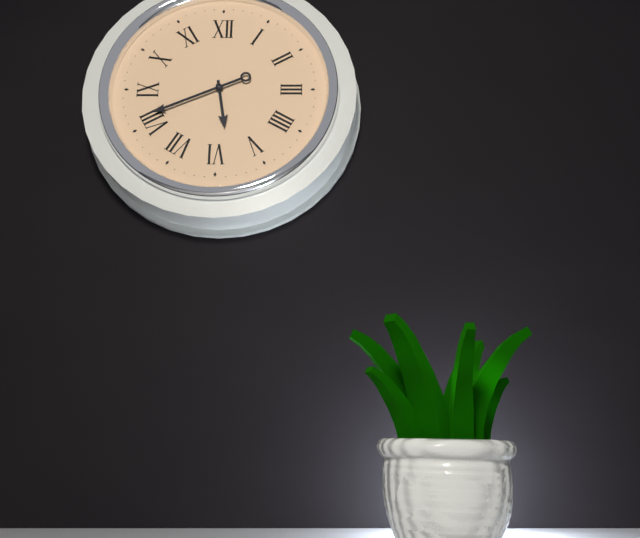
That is 5:41
